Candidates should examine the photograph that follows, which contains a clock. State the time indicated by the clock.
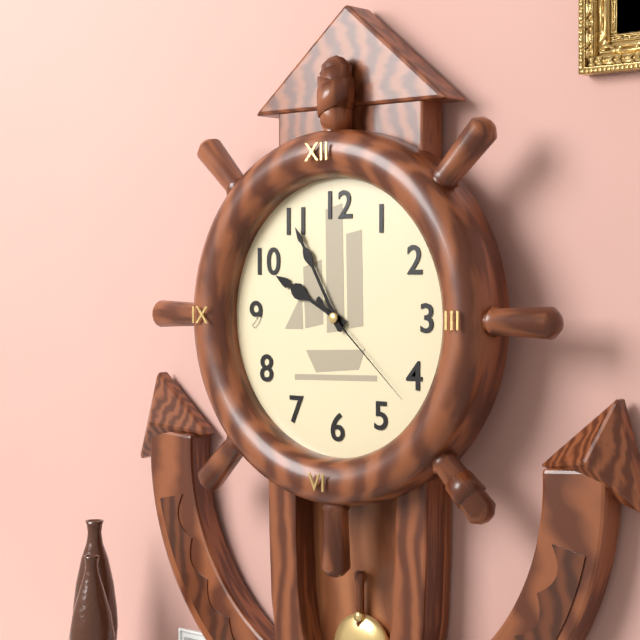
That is 9:55:22
